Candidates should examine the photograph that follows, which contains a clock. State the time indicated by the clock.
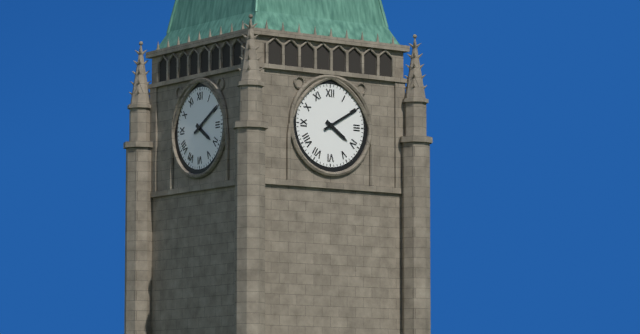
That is 4:10
